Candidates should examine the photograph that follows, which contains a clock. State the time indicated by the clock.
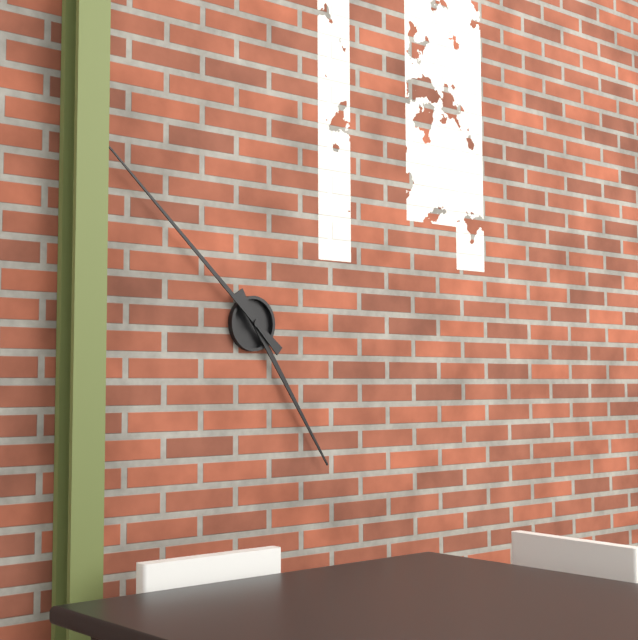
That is 4:52
